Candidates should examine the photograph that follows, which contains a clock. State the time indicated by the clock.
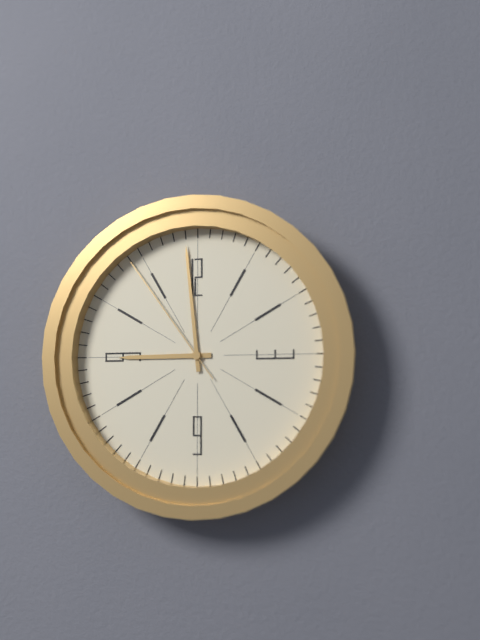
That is 8:59:54
